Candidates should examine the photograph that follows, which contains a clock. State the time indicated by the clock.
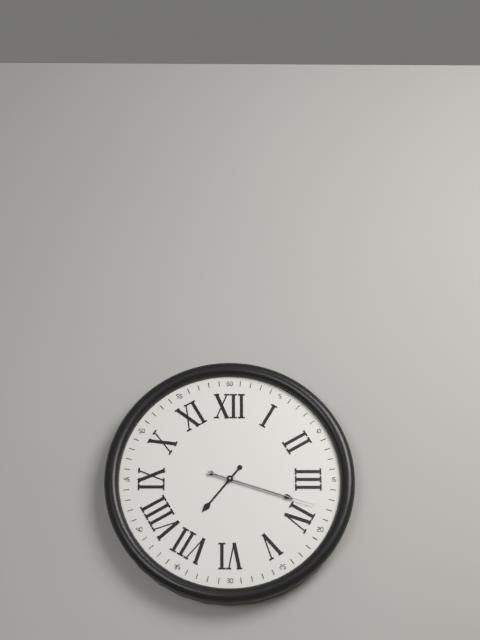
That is 7:18:18
